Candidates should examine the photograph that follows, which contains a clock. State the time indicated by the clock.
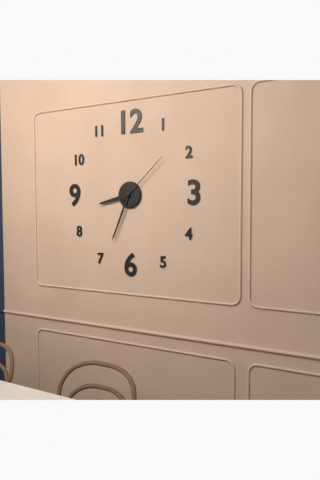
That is 8:34:08
